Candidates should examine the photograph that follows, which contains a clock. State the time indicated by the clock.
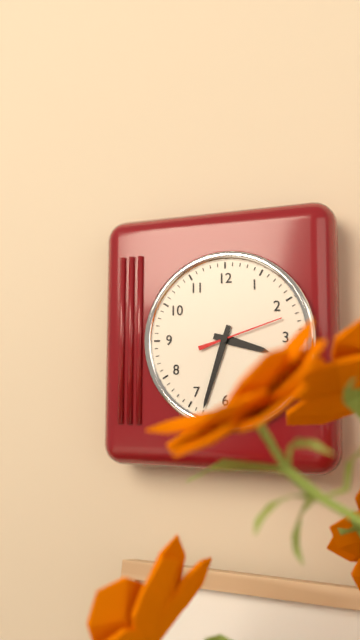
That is 3:33:12
